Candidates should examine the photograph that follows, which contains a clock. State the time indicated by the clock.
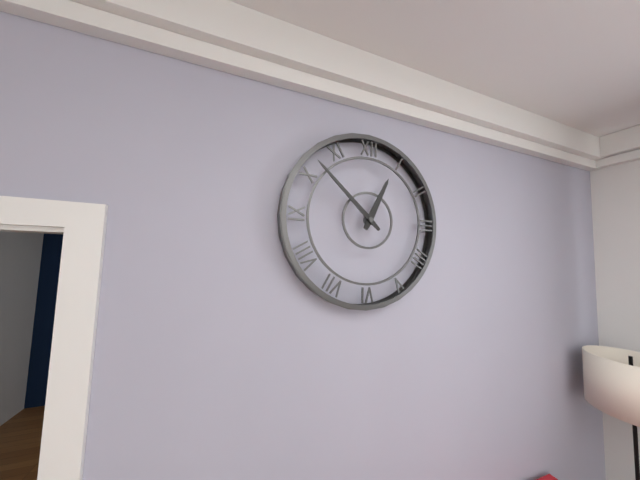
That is 12:52
